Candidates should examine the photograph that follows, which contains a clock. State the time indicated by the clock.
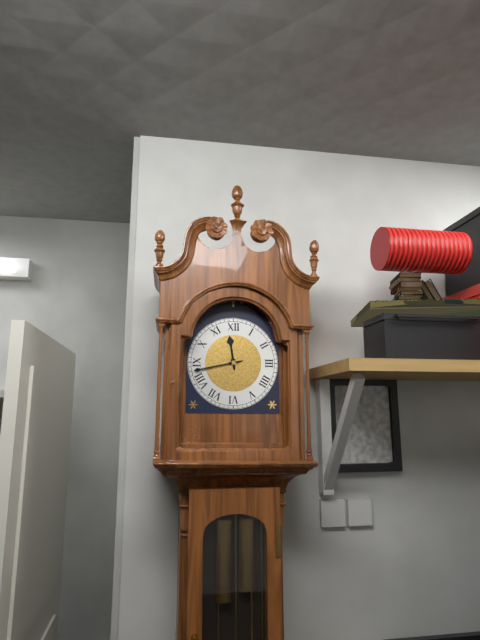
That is 11:43
